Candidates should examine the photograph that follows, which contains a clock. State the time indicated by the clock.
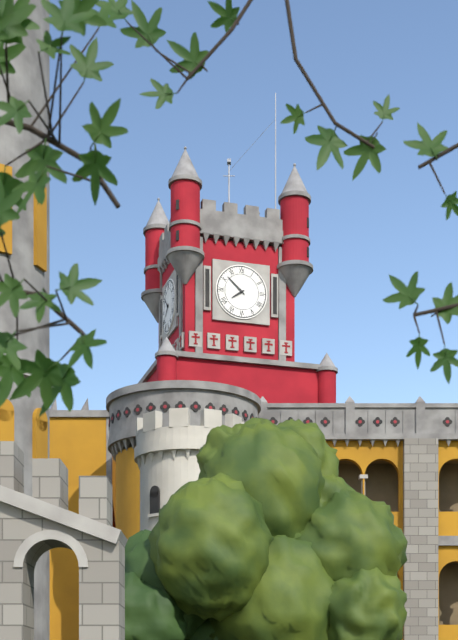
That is 7:52
